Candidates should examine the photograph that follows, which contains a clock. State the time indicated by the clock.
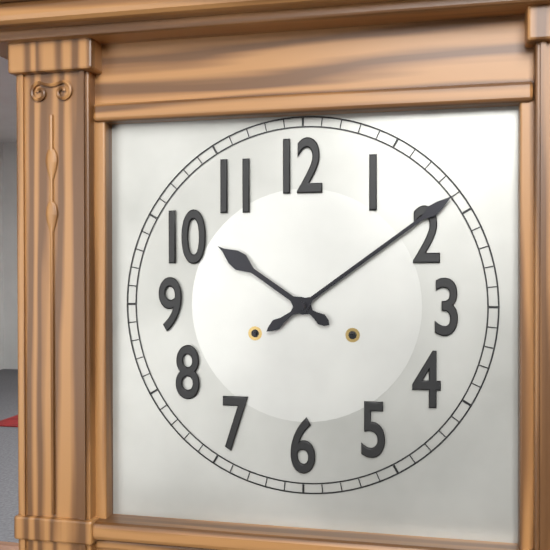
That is 10:09
